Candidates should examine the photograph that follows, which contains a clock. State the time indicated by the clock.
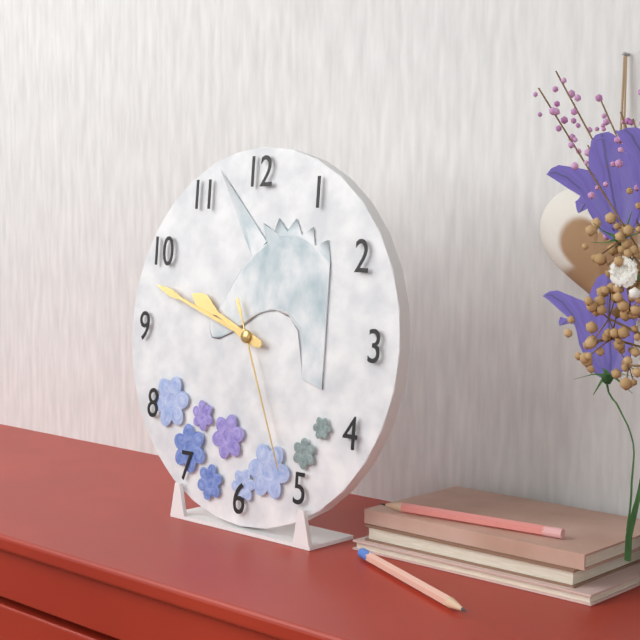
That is 9:48:26
